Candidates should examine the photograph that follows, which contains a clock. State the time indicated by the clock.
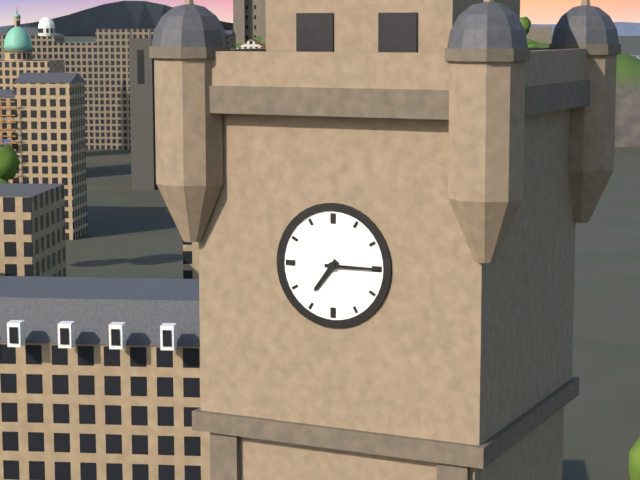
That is 7:15
